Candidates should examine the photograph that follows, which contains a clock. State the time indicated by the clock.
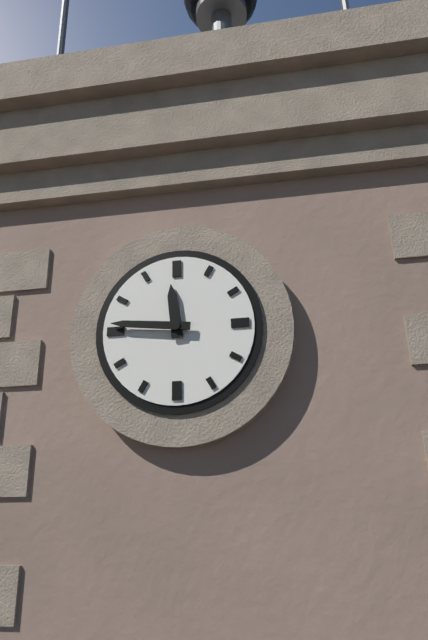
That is 11:46
